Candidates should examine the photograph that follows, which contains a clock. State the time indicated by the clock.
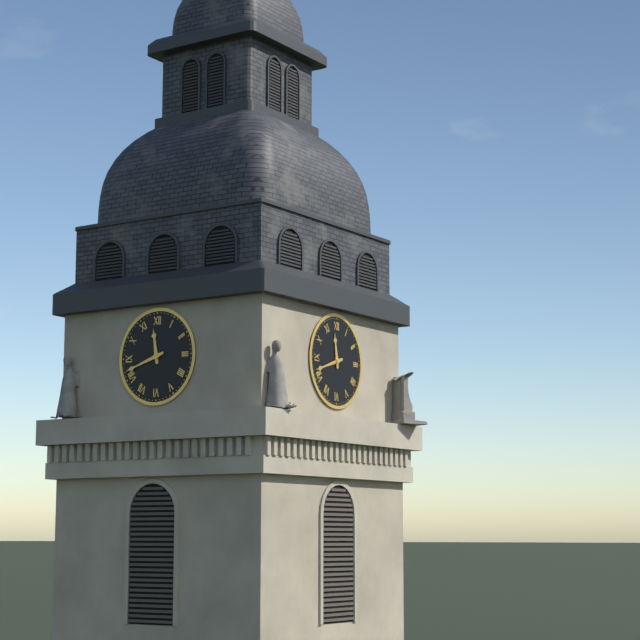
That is 11:42
